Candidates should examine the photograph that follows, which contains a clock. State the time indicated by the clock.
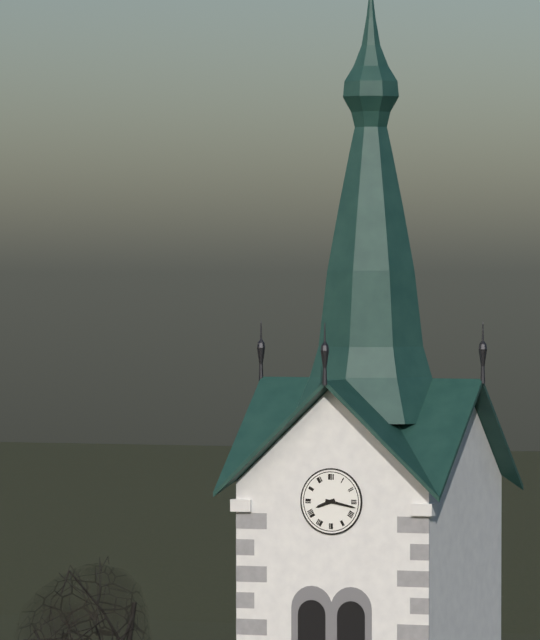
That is 8:17
